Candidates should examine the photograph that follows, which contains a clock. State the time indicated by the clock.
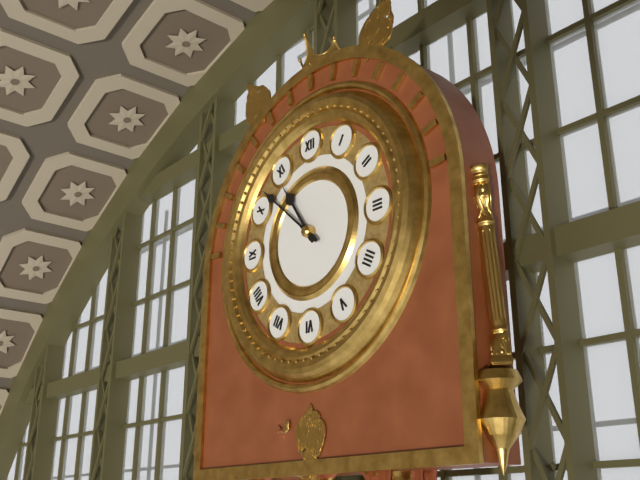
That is 10:52
